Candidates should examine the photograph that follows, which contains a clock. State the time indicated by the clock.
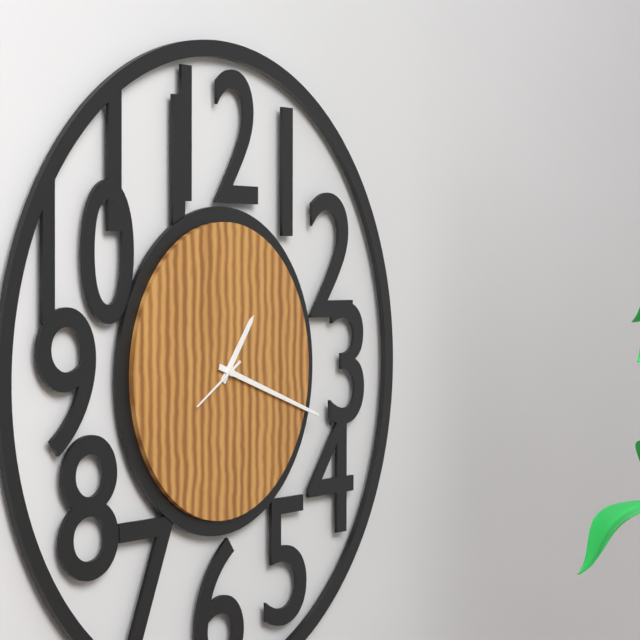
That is 1:18:40
